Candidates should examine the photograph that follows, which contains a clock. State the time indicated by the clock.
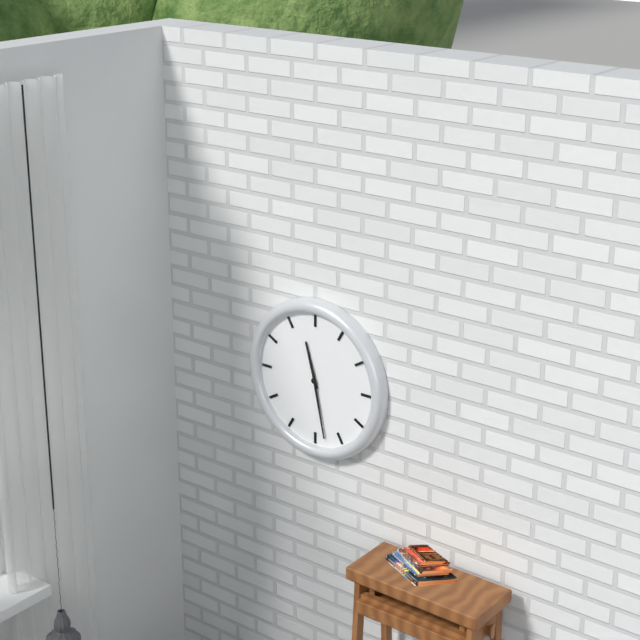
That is 11:28
